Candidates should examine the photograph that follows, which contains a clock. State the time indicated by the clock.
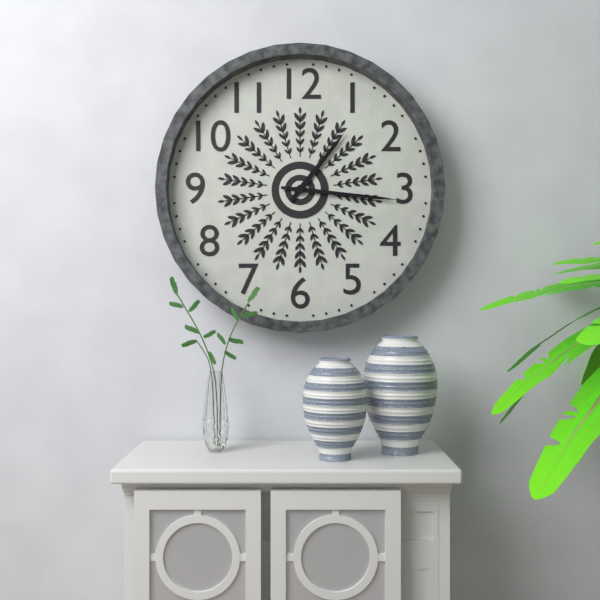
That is 1:16
